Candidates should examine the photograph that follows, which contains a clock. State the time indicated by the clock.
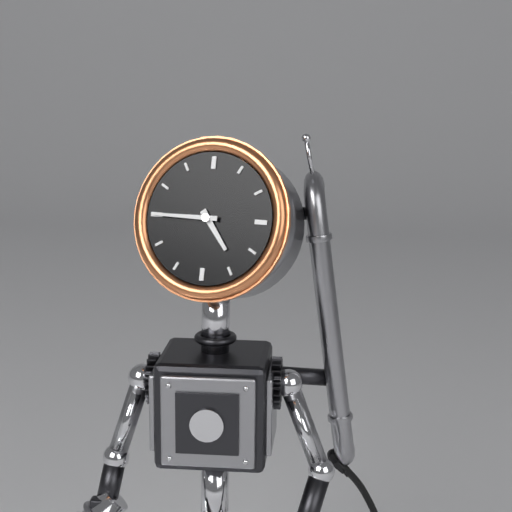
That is 4:45
